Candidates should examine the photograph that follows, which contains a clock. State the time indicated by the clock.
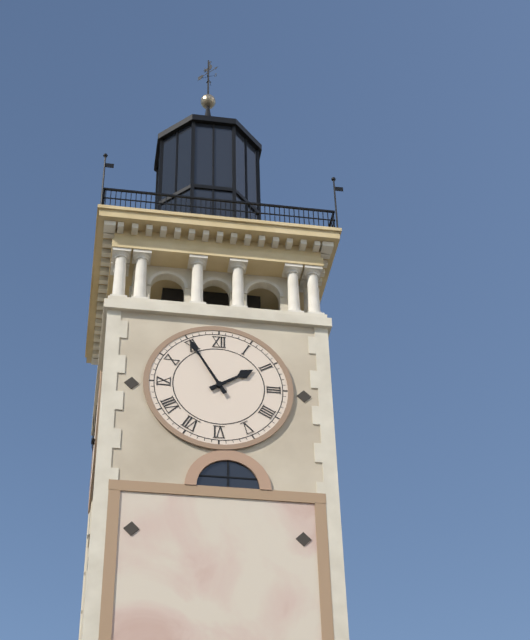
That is 1:55
